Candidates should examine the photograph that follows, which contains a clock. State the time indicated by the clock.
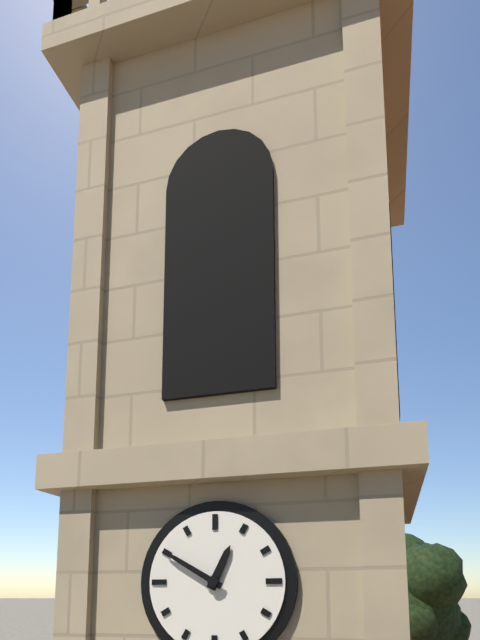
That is 12:50
